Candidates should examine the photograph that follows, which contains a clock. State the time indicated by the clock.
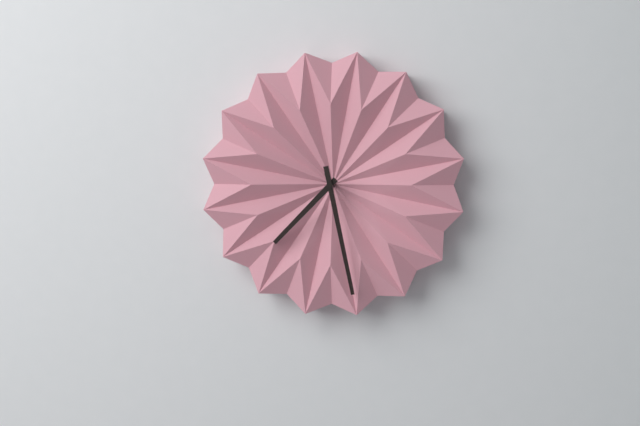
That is 7:28
